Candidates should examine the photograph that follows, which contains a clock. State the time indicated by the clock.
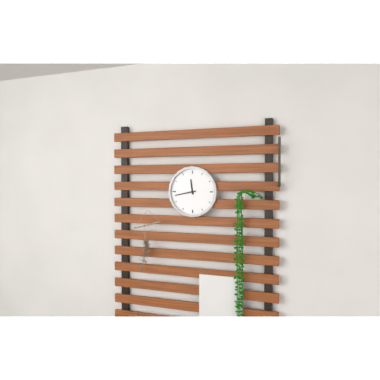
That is 11:43
